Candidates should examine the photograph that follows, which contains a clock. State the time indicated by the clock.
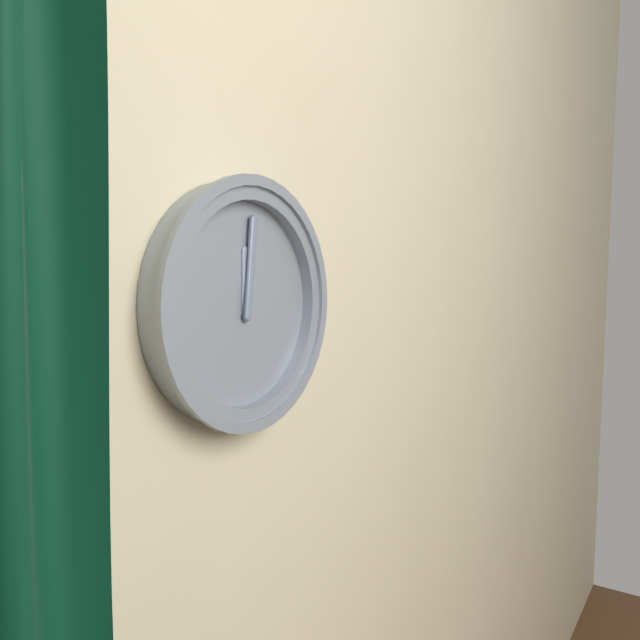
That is 12:01
